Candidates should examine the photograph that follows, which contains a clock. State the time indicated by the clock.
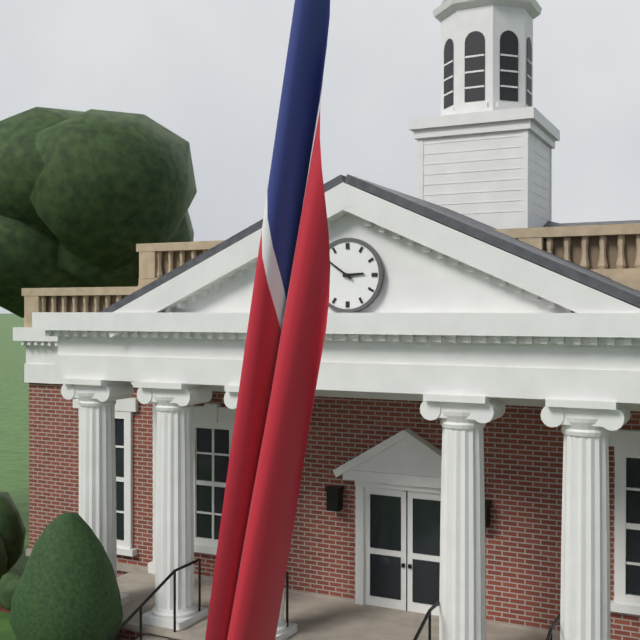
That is 2:51
